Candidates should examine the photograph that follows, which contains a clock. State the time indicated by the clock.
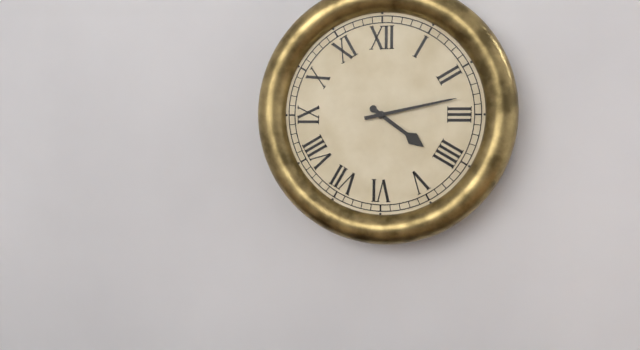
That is 4:13
